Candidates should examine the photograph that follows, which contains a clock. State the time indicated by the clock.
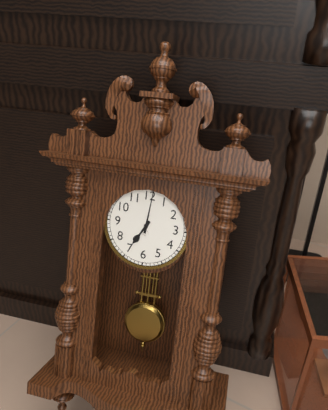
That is 7:01
